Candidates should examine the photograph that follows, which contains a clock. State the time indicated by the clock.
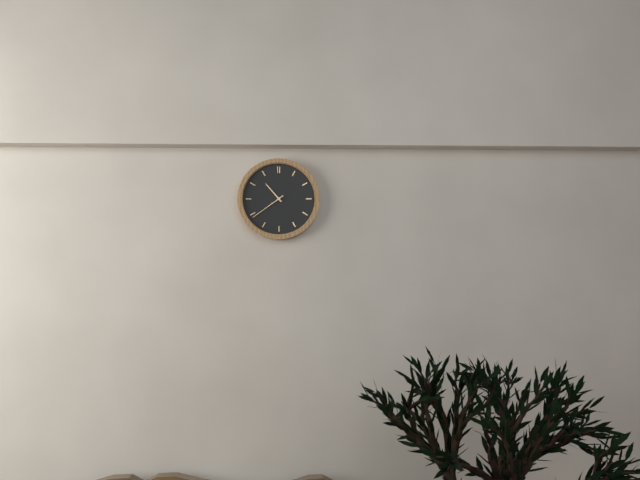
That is 10:39
